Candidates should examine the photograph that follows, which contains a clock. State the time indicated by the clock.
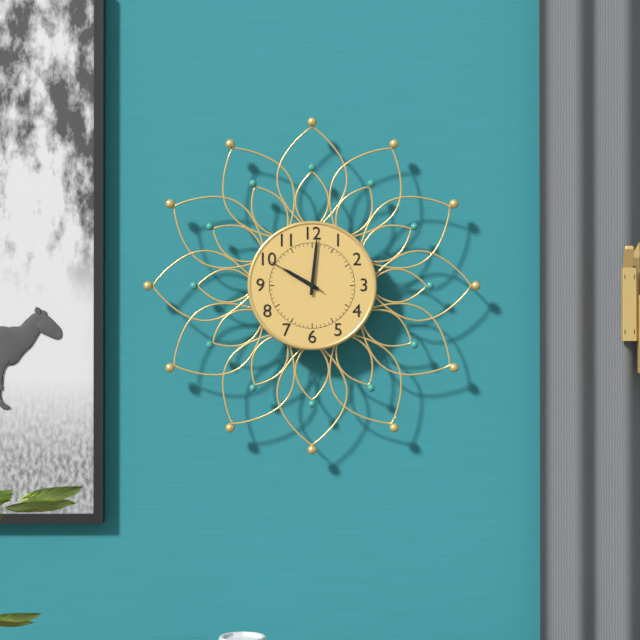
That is 10:01:50
